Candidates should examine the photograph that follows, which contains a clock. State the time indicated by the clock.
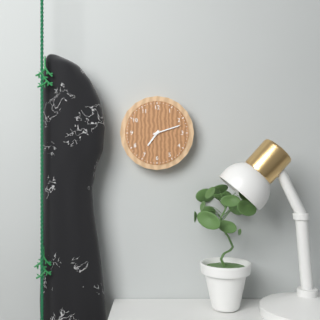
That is 7:12
